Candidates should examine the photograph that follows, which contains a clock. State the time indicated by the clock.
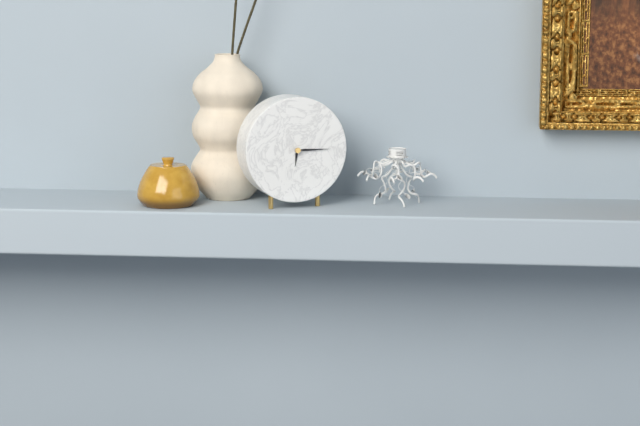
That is 6:15
